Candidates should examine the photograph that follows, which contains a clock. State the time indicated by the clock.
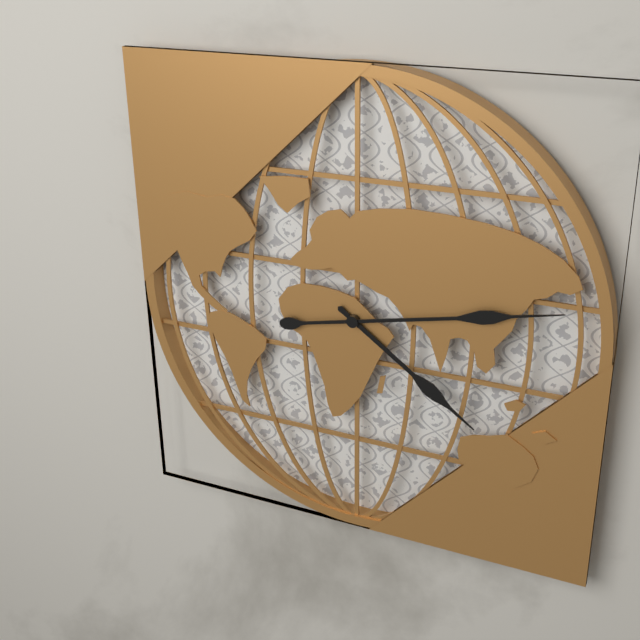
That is 4:13
